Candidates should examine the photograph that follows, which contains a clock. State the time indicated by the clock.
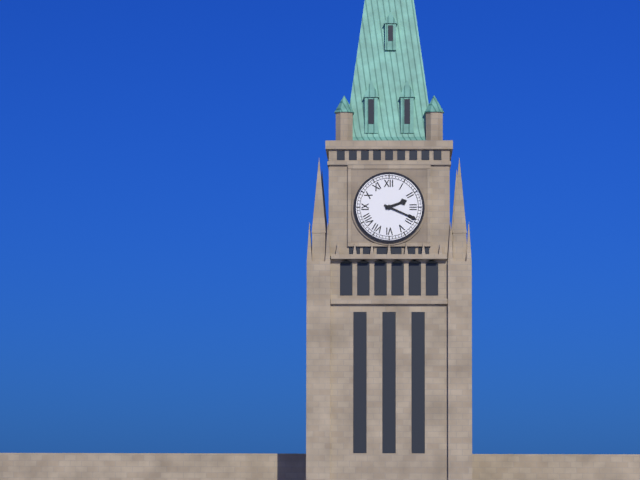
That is 2:19
